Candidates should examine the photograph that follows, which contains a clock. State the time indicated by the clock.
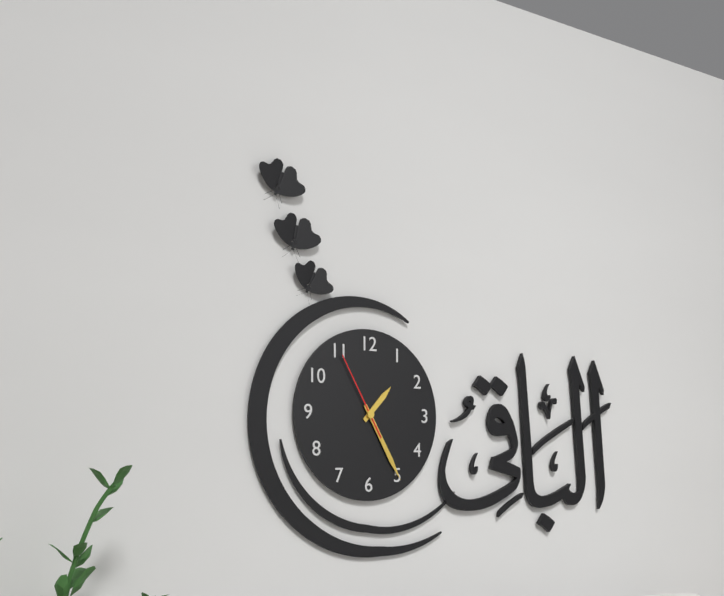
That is 1:25:55
